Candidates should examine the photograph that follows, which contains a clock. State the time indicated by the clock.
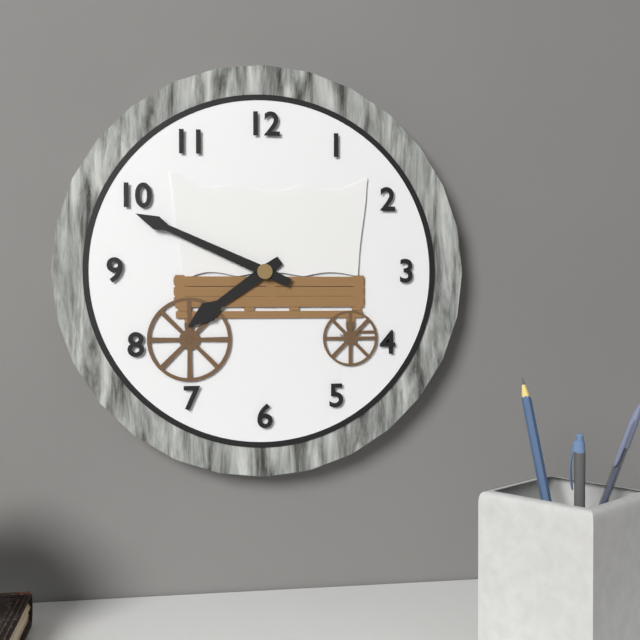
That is 7:49
